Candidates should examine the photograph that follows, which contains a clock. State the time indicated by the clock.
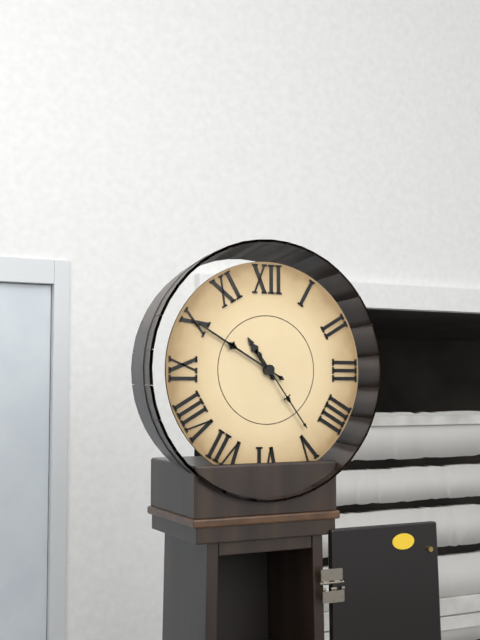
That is 10:50:24
